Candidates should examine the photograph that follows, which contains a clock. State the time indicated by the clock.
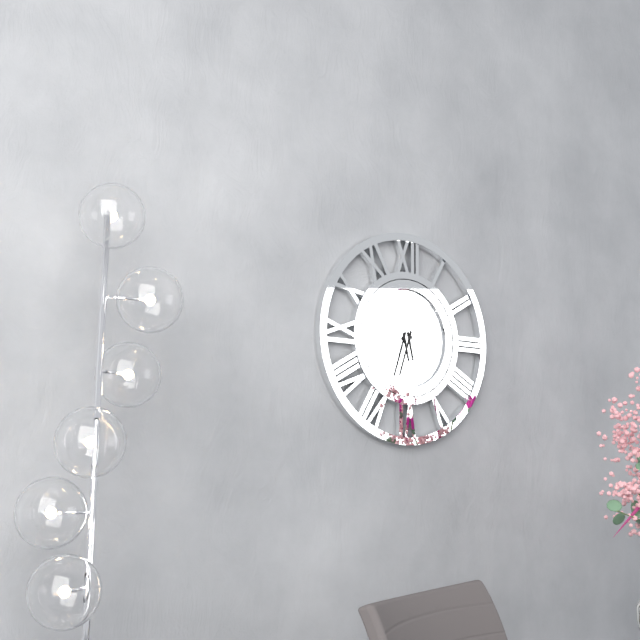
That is 5:33
